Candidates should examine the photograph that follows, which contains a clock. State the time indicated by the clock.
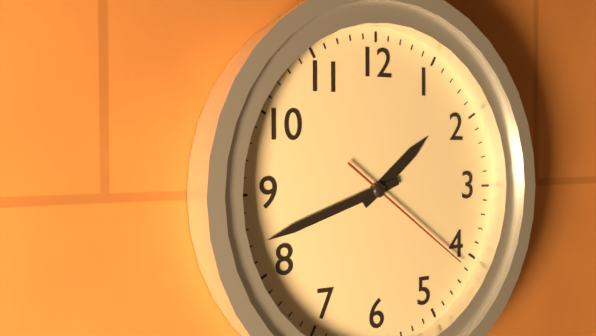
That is 1:42:21
